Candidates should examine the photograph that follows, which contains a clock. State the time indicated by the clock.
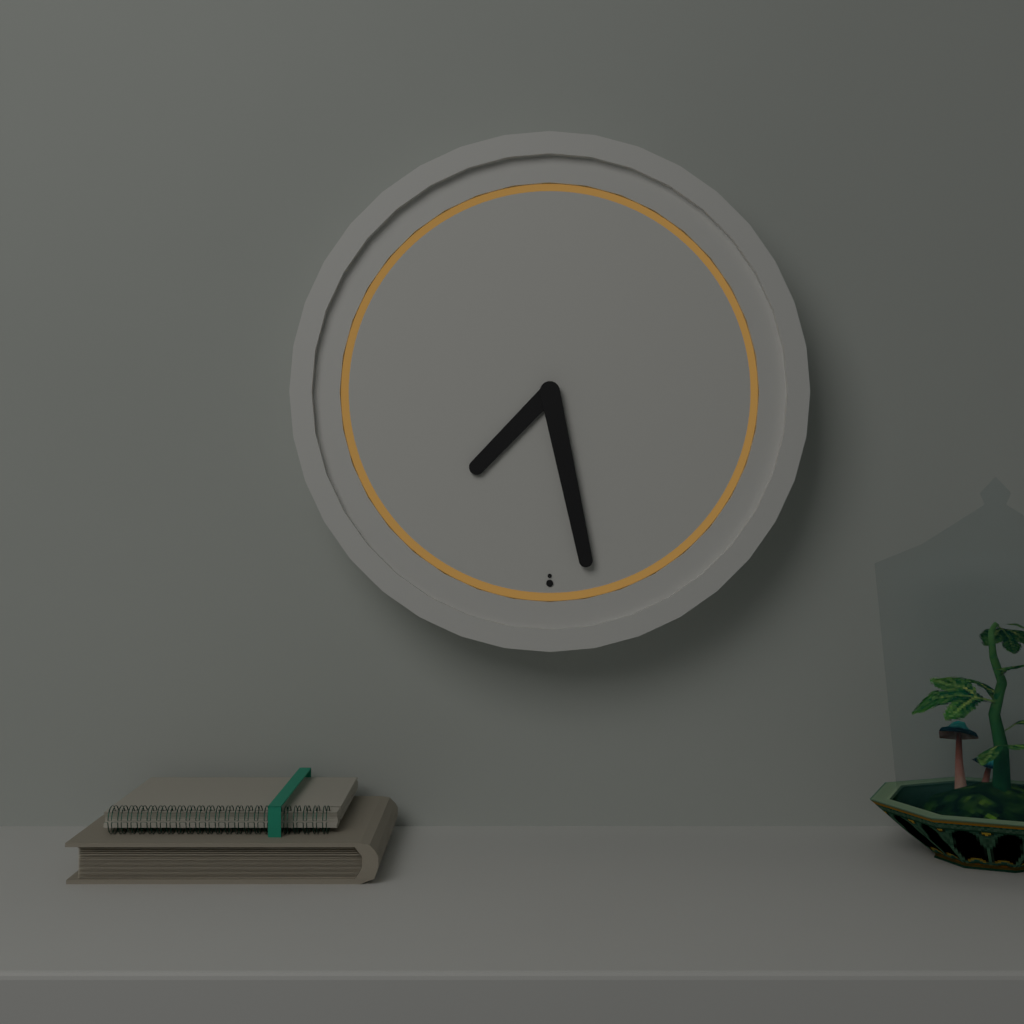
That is 7:28
